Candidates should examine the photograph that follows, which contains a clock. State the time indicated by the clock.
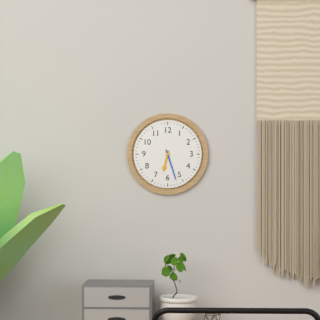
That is 6:27
